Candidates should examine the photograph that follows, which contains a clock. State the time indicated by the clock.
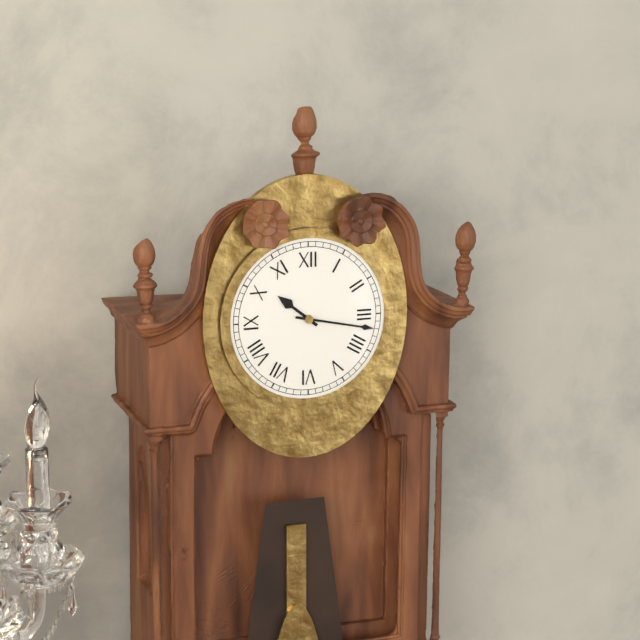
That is 10:17
